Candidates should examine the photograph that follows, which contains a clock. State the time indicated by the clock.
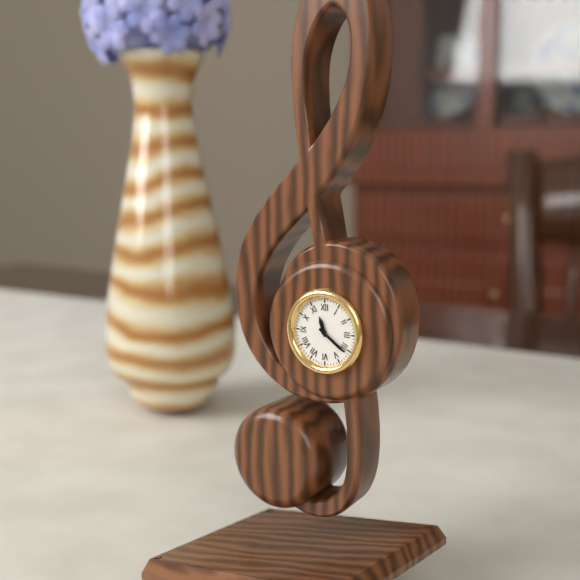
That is 11:21
